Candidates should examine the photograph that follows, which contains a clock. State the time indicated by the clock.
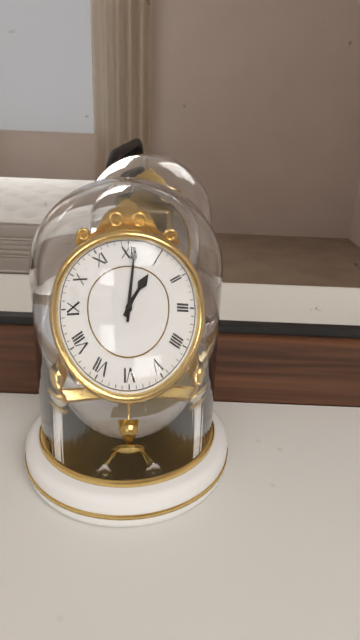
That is 1:01
